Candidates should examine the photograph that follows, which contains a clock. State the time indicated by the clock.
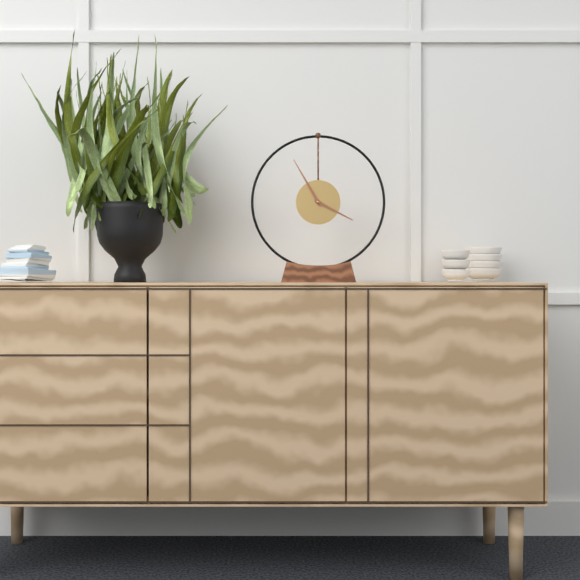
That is 3:55
